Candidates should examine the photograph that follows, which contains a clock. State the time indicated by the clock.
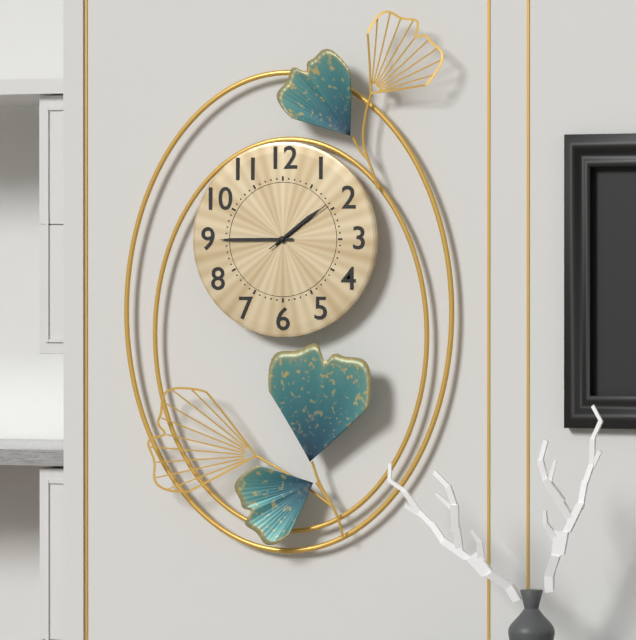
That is 1:45:09
